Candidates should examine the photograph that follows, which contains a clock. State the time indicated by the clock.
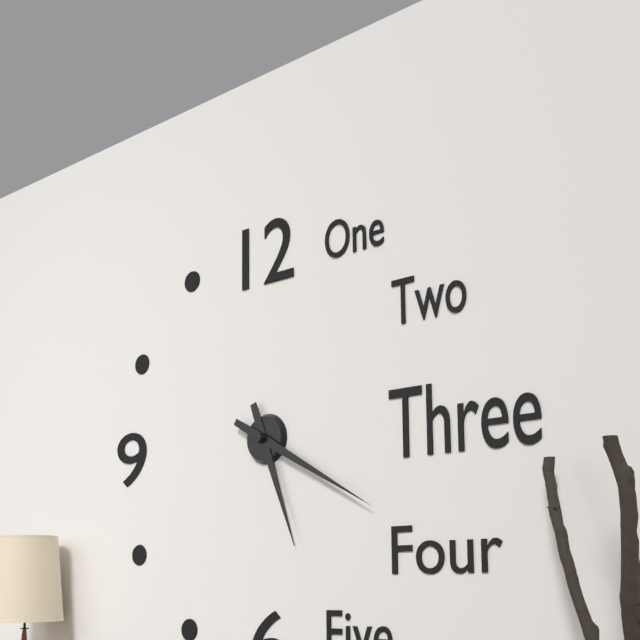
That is 5:20
